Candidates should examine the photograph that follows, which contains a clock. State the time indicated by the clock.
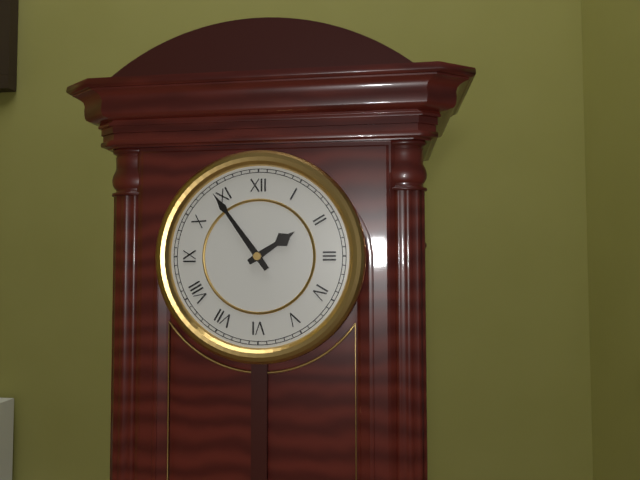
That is 1:54
